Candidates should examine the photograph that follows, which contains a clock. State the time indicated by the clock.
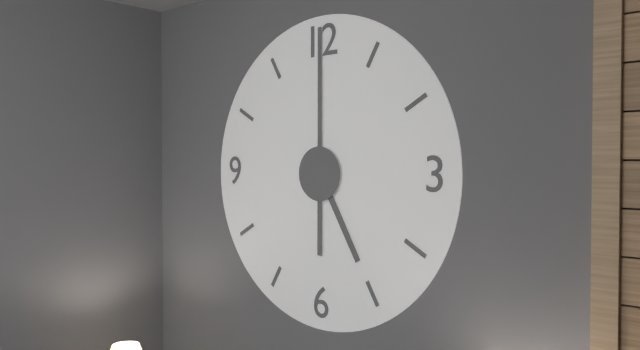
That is 5:00
